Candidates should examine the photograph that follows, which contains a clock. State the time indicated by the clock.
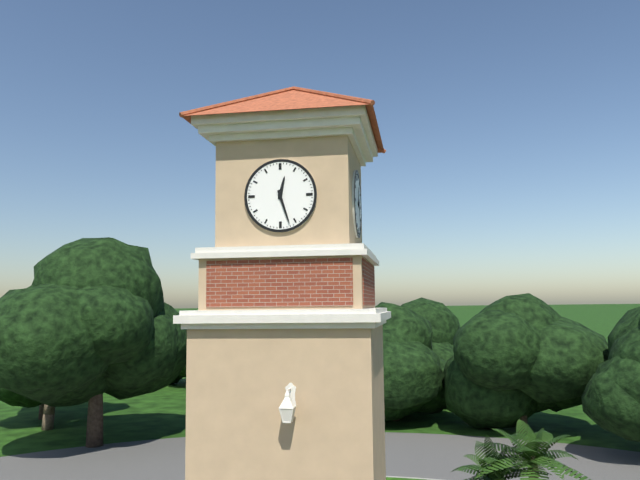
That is 12:27
